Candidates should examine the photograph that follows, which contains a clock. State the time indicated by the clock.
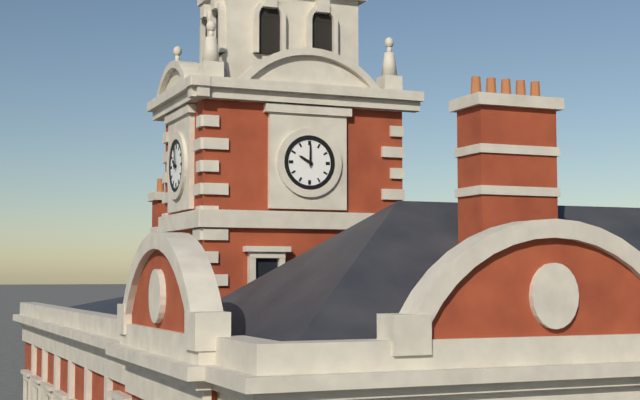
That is 10:00
